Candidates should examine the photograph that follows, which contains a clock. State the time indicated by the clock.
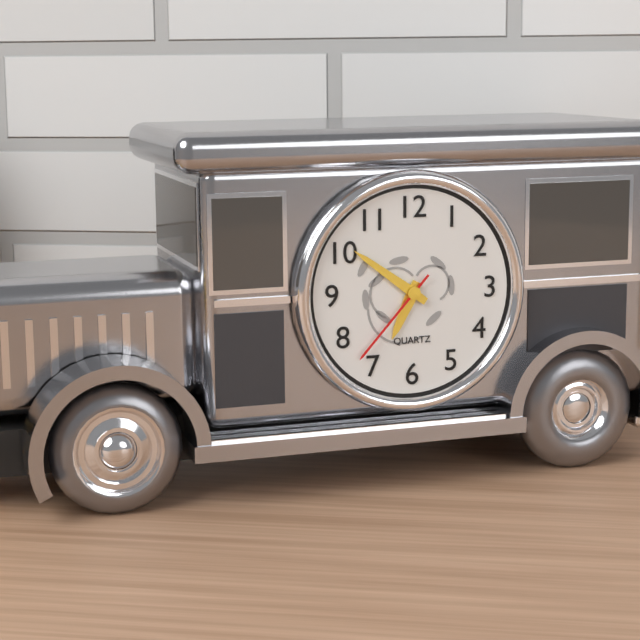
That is 6:51:37
